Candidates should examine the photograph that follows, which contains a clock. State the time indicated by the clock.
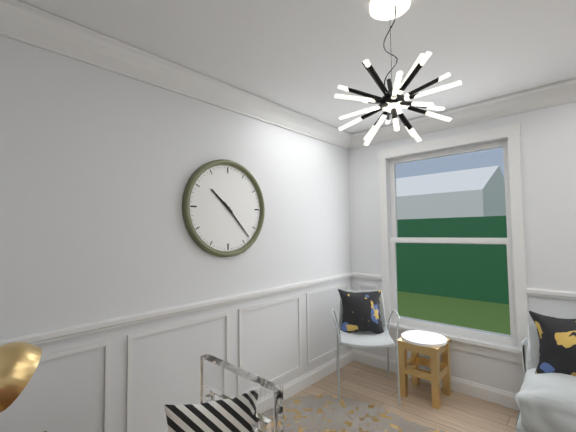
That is 10:23
